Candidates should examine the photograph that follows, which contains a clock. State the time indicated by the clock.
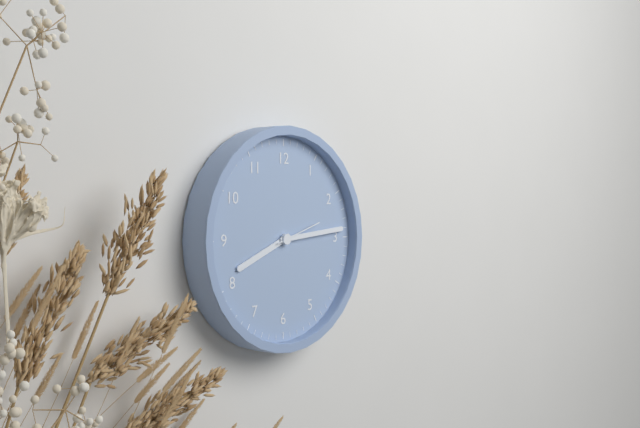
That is 8:14
